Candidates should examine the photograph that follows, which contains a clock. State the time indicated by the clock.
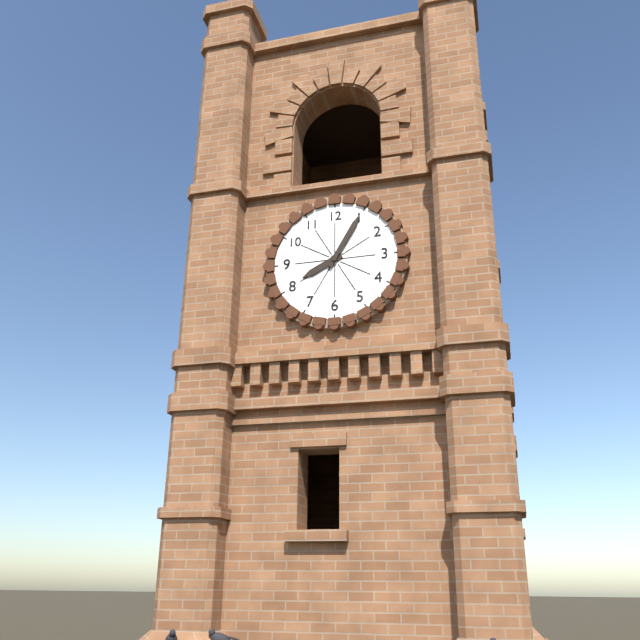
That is 8:05
